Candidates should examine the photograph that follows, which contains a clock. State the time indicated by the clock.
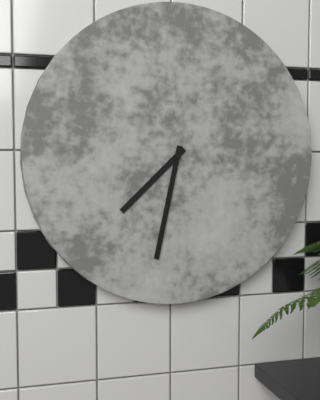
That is 7:32
